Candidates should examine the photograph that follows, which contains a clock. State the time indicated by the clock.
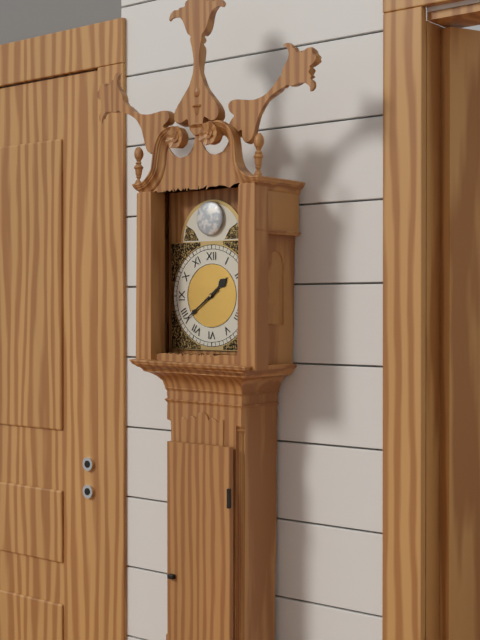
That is 1:39
